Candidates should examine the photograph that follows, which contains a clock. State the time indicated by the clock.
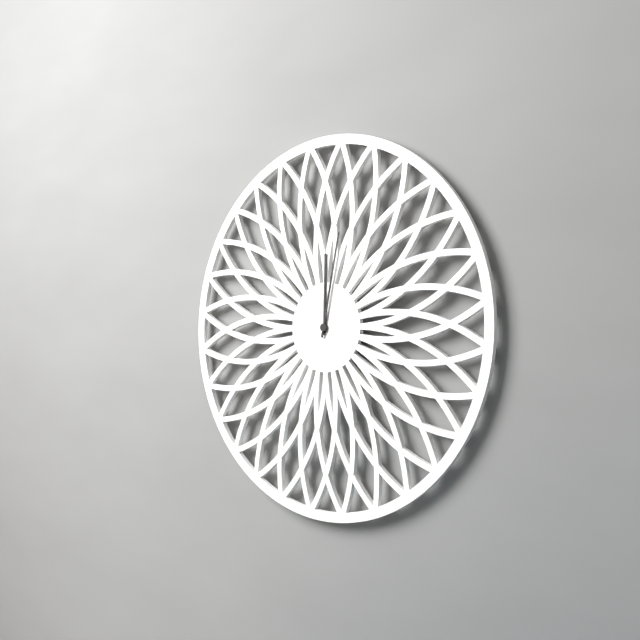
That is 12:02
